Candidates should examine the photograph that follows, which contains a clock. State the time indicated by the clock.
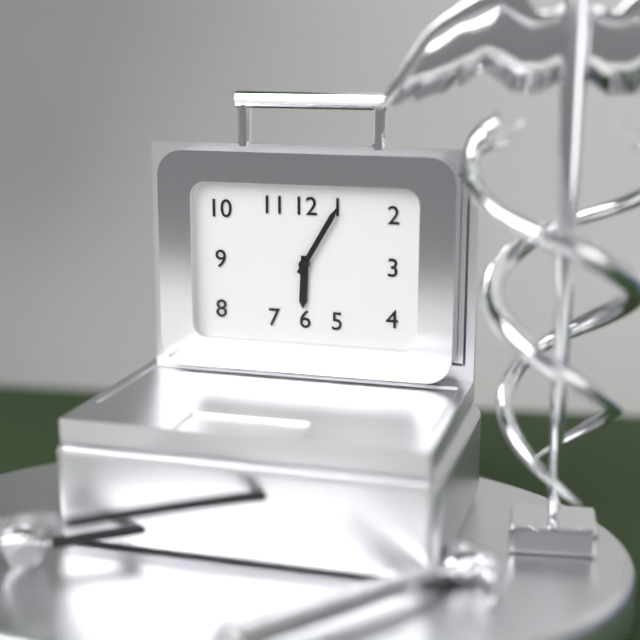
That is 6:05
